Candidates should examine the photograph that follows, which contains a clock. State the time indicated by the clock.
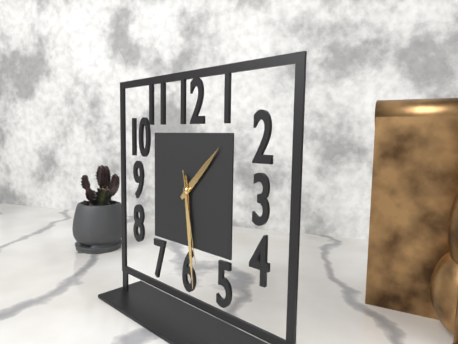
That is 1:29:28
